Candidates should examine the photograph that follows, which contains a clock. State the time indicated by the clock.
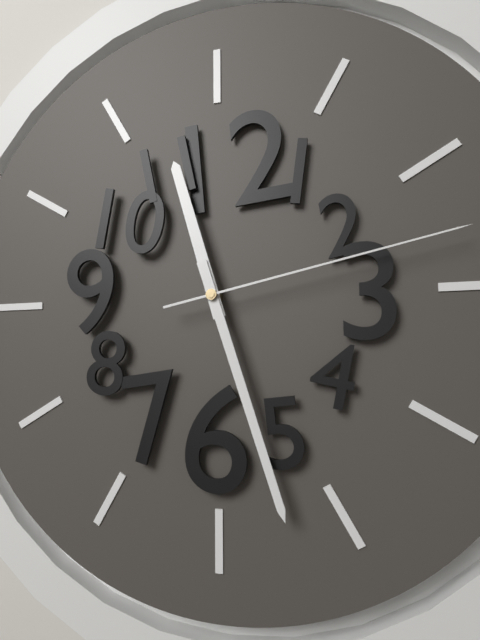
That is 11:27:13
